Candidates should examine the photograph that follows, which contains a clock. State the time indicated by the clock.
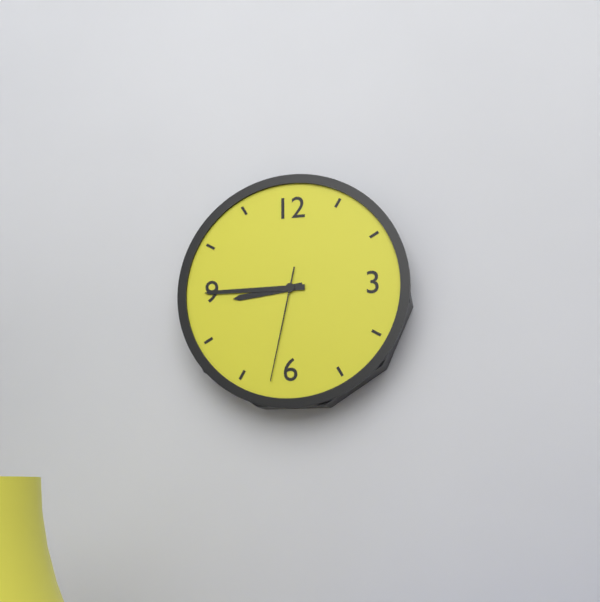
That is 8:45:32
